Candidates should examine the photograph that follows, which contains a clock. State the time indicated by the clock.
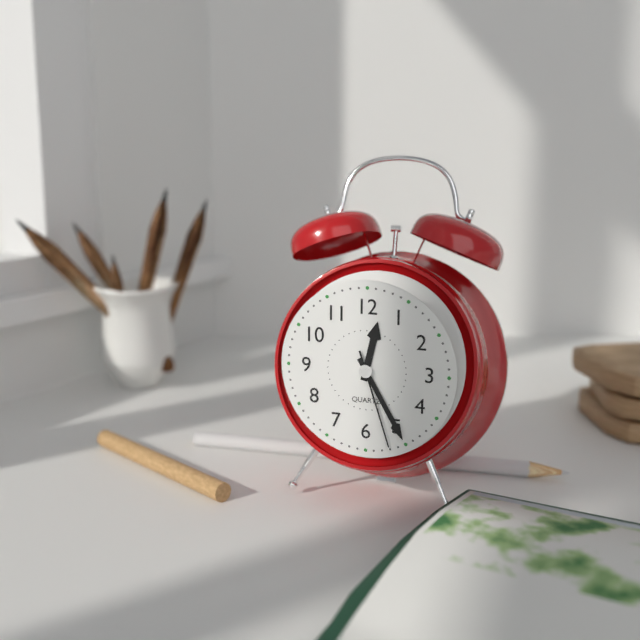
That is 12:25:27
